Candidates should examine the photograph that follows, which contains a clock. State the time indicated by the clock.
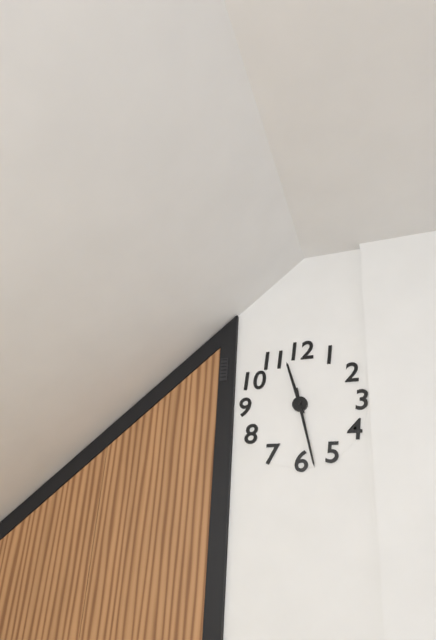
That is 11:28
